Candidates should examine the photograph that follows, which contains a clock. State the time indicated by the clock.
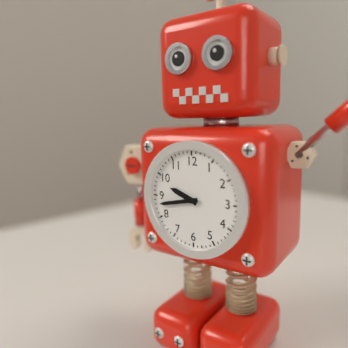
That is 9:43
